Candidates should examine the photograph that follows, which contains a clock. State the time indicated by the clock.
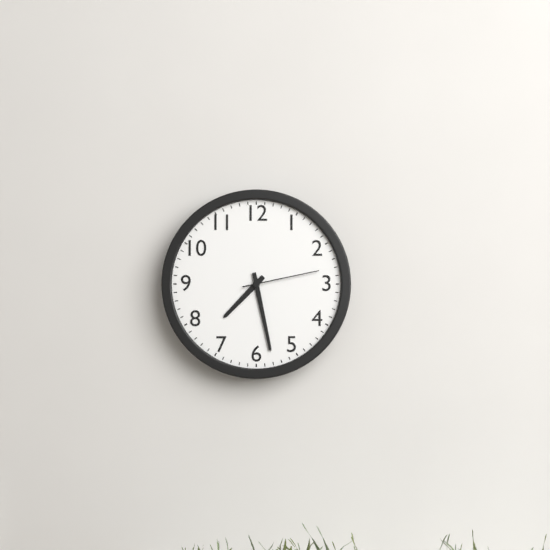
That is 7:28:13
